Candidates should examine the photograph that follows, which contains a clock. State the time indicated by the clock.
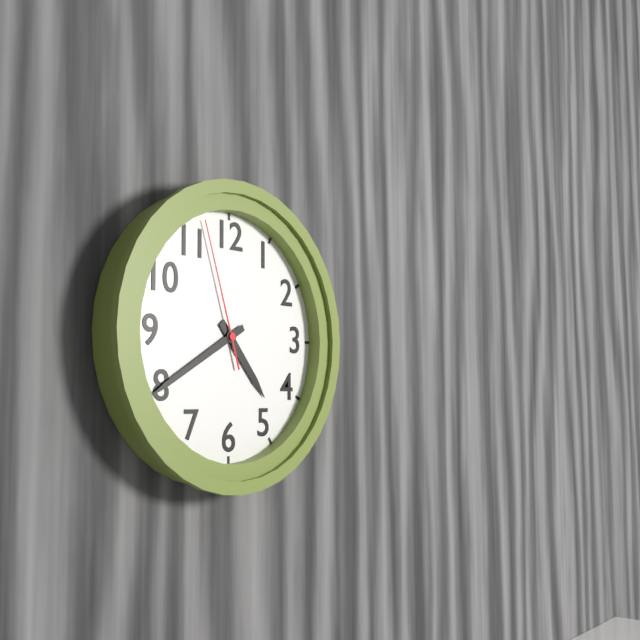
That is 4:40:57
